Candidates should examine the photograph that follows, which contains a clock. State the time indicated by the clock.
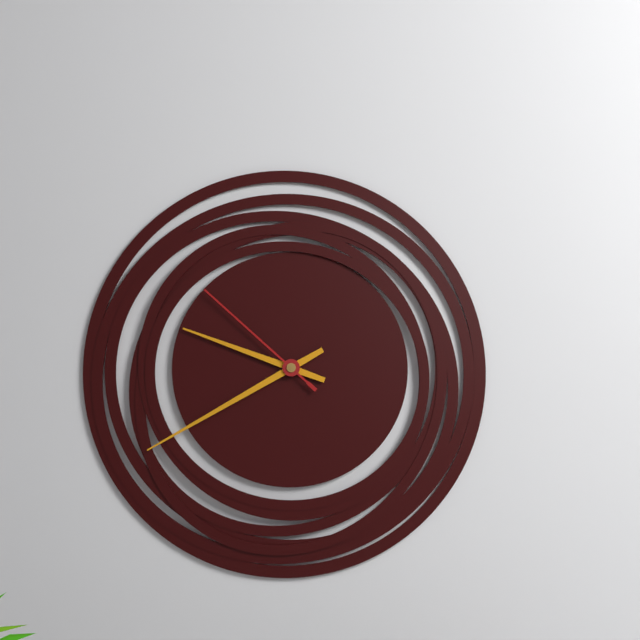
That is 9:40:52
